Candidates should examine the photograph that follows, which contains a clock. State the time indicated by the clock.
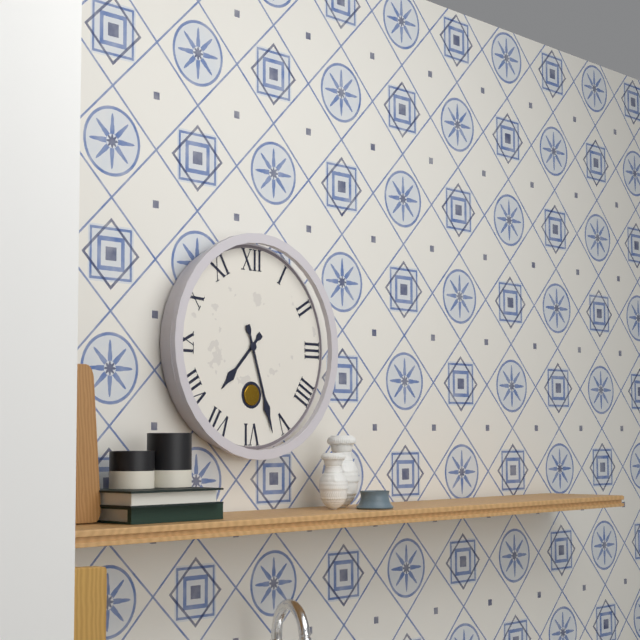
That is 7:27
